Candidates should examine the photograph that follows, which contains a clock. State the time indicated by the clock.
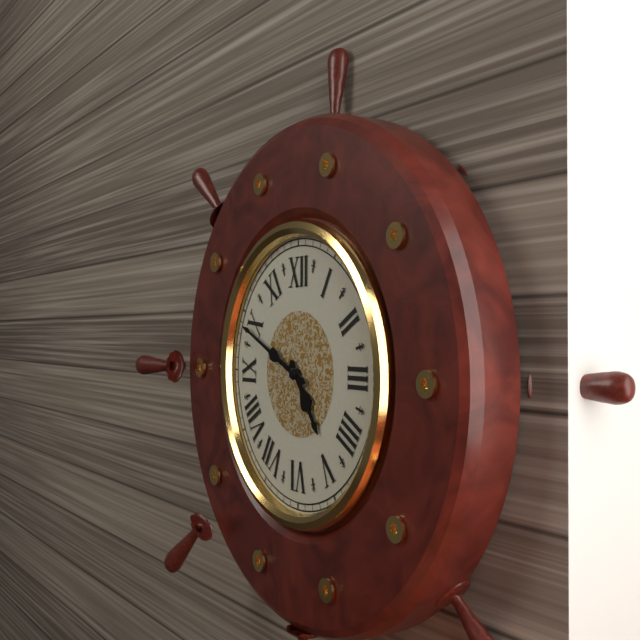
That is 4:49
